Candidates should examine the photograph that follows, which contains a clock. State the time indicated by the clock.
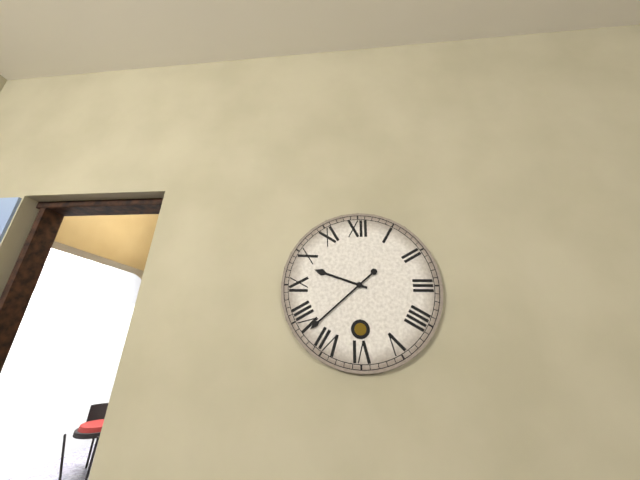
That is 9:38
